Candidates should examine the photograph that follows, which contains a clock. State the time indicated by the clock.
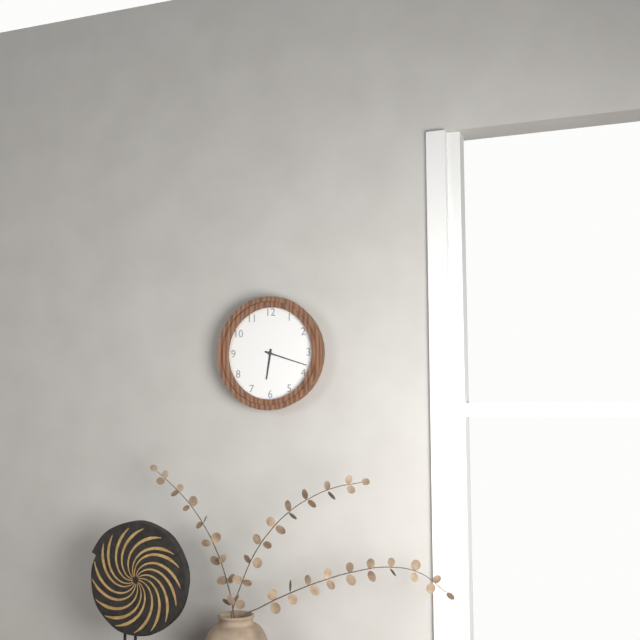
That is 6:18
